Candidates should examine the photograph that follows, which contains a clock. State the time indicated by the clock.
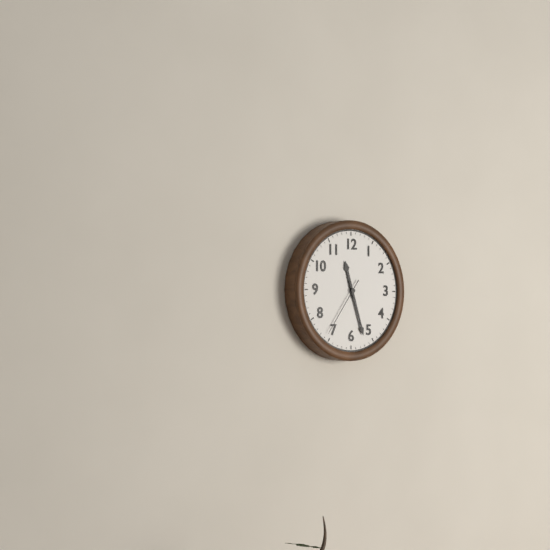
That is 11:27:36
